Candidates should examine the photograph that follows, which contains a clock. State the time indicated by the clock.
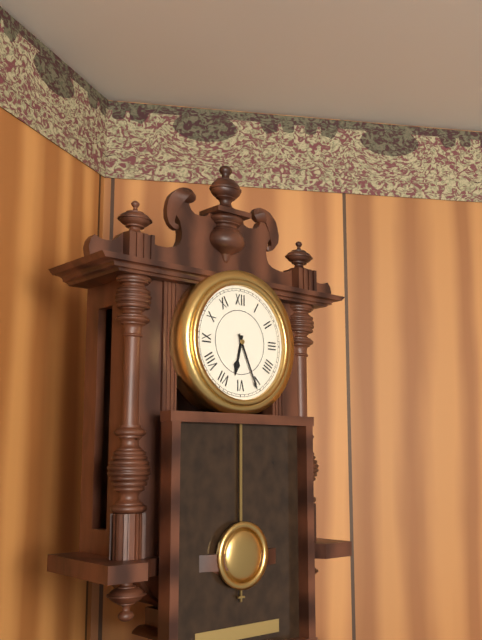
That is 6:26
